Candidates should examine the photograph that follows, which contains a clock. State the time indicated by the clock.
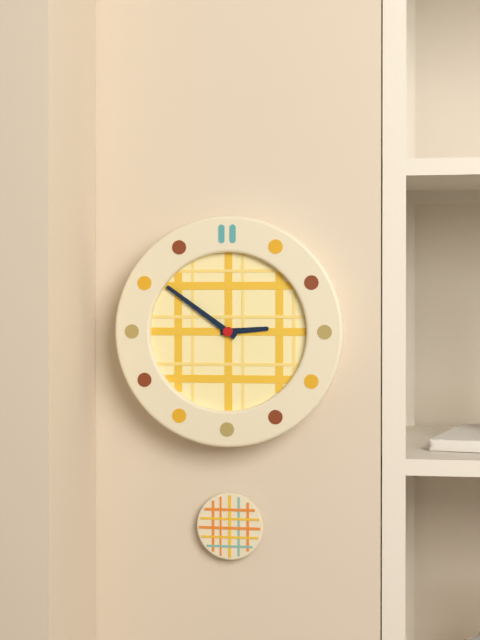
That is 2:51
